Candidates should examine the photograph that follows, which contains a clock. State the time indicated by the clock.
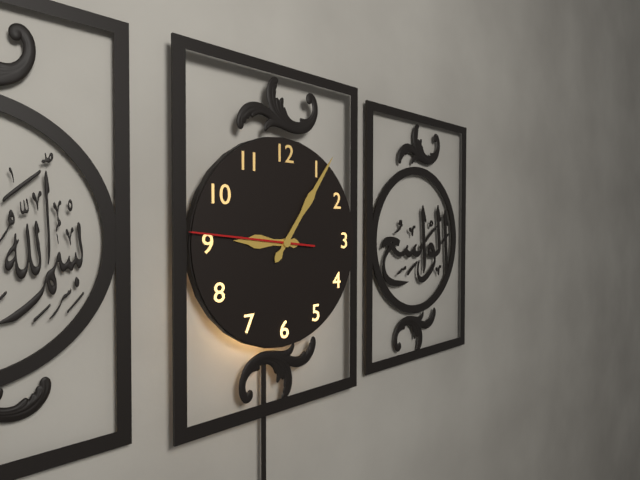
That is 9:06:46
